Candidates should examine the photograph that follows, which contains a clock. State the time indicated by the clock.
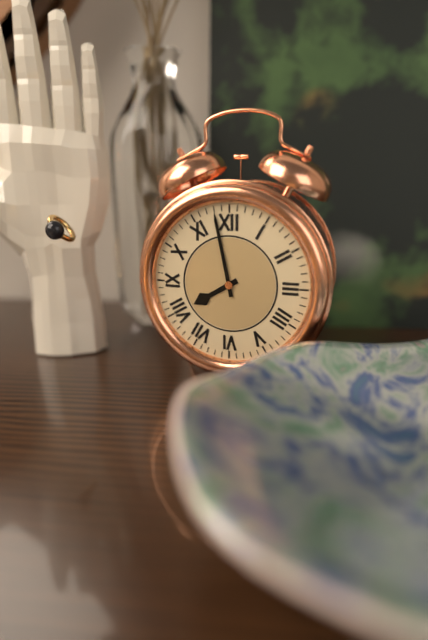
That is 7:58
